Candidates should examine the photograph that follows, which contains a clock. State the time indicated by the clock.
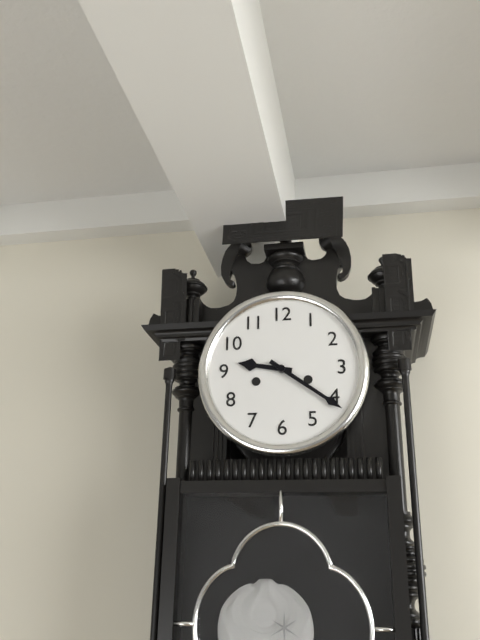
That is 9:21
